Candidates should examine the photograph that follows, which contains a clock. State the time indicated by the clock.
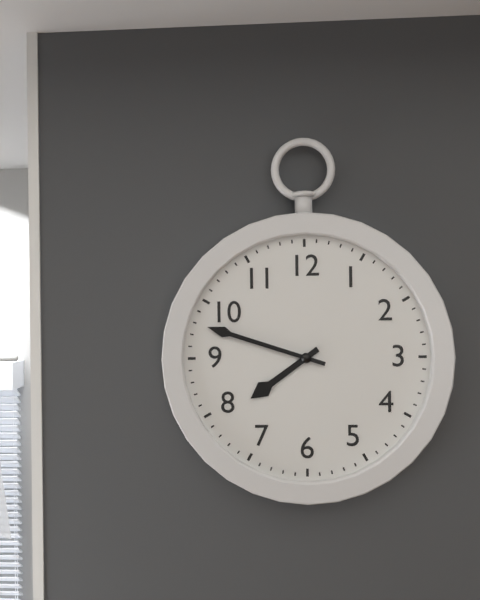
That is 7:48
